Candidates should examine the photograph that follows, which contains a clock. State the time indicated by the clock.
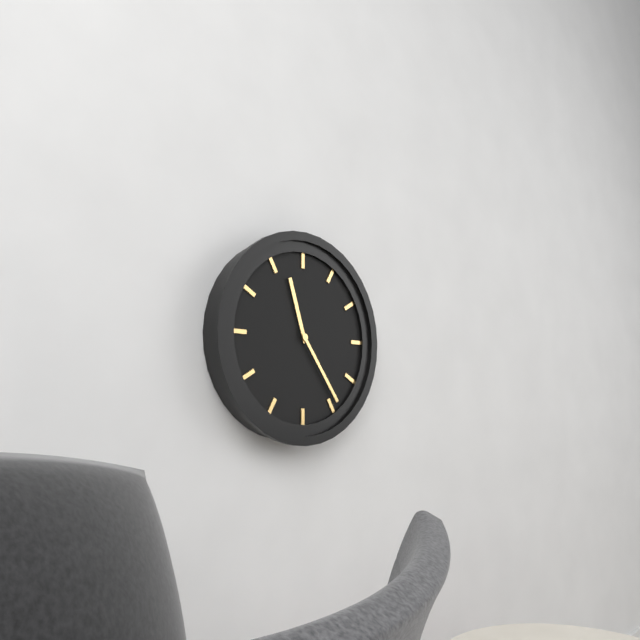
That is 11:24
